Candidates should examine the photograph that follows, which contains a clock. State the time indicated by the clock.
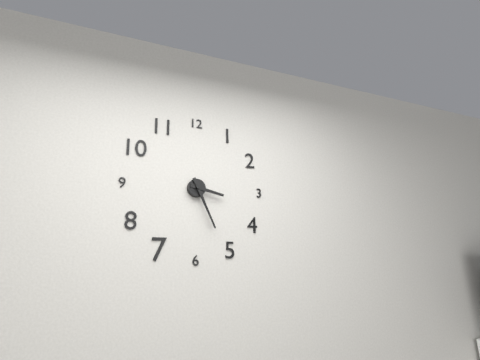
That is 3:26
